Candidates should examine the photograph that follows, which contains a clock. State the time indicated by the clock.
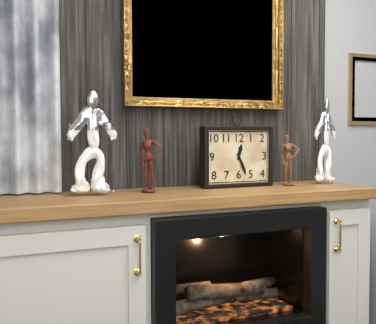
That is 12:26
